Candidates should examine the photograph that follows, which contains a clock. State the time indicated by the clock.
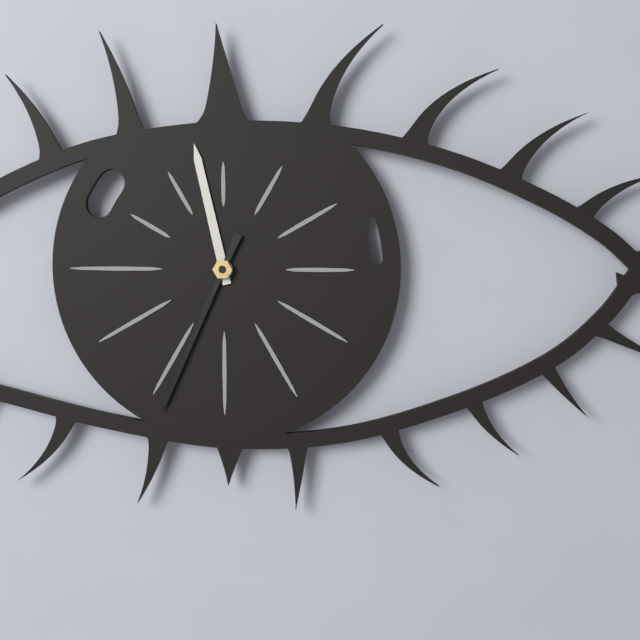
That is 11:34
